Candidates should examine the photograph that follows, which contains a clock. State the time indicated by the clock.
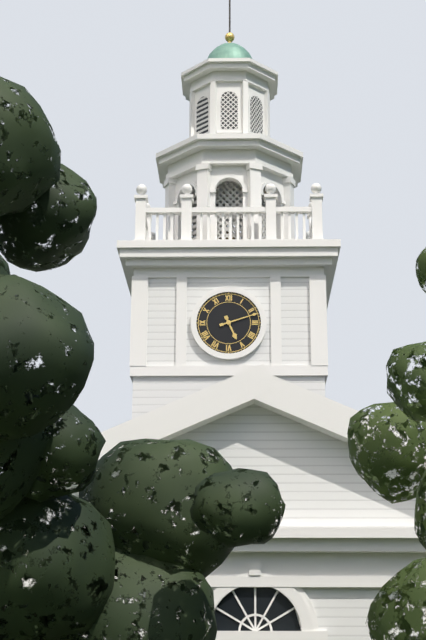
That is 5:12
